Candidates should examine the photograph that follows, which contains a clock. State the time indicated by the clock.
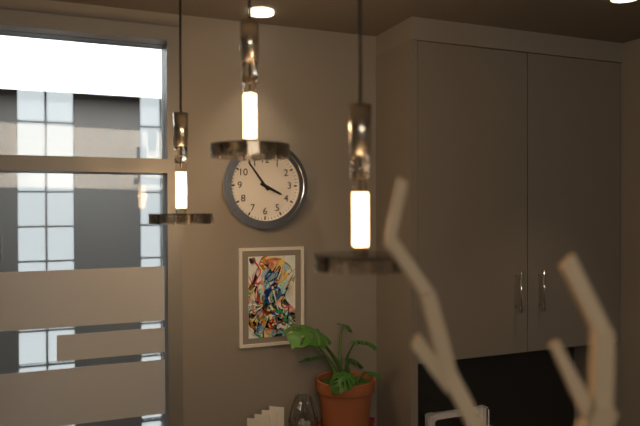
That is 3:54
